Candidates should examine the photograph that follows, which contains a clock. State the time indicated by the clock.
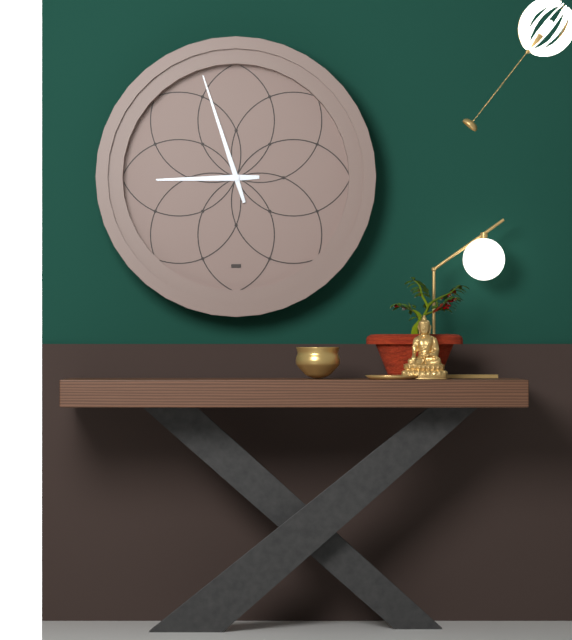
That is 8:57
